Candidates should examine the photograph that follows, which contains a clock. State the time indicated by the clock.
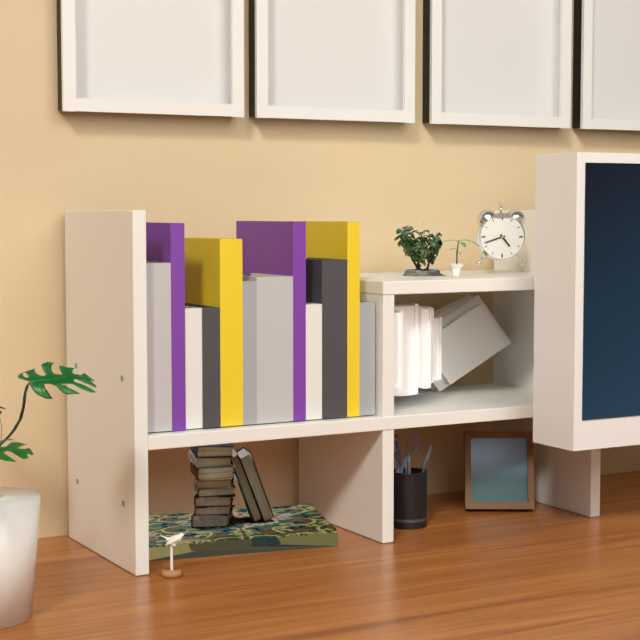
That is 4:42
